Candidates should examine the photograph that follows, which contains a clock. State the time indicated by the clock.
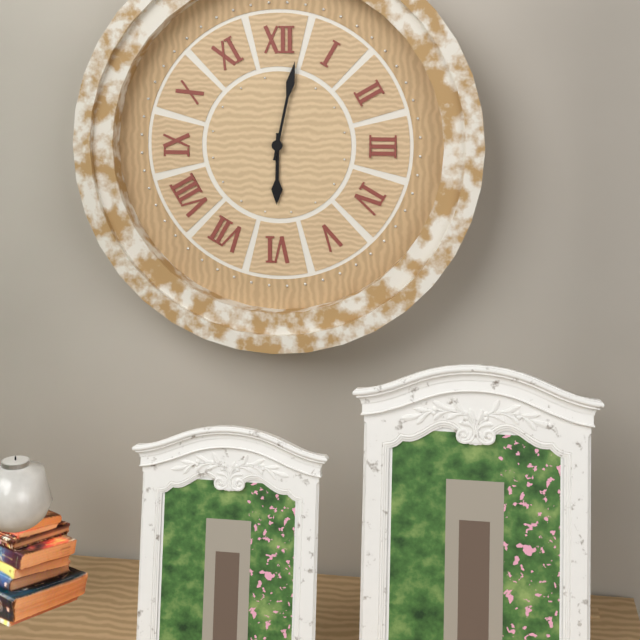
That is 6:02
